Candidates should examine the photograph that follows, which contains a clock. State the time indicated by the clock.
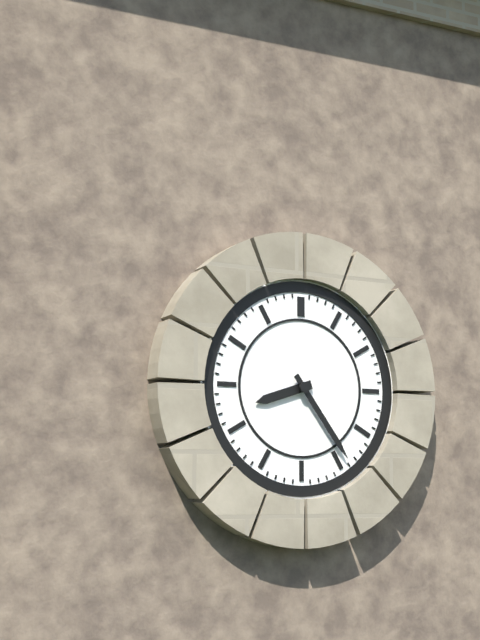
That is 8:24
